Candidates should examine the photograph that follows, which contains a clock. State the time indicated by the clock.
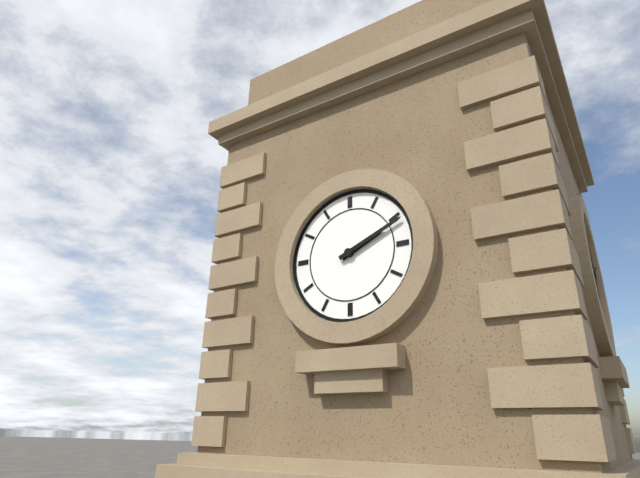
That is 2:11
